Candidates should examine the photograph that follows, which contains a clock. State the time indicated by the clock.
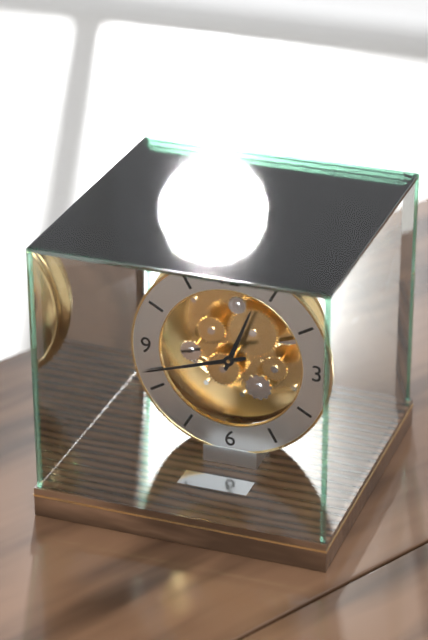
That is 12:42
